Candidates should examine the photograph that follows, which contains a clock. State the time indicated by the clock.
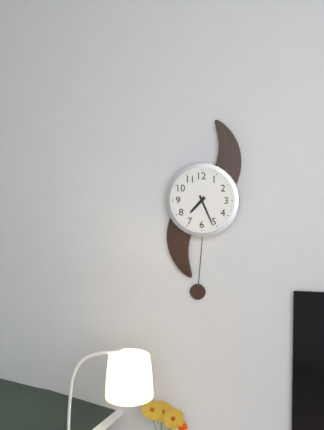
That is 7:26
